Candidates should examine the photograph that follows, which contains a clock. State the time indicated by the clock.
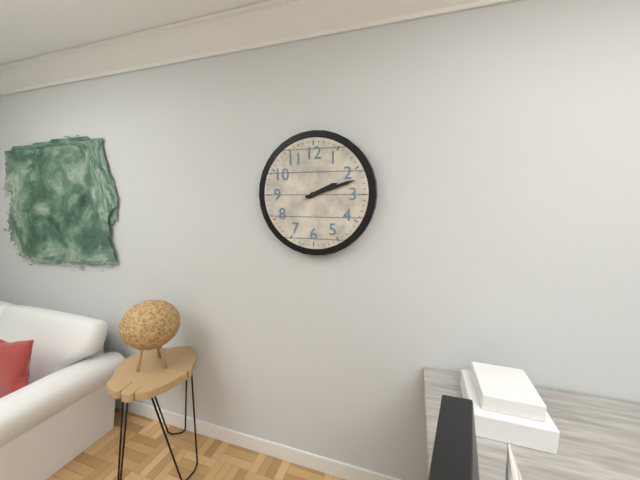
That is 2:12
